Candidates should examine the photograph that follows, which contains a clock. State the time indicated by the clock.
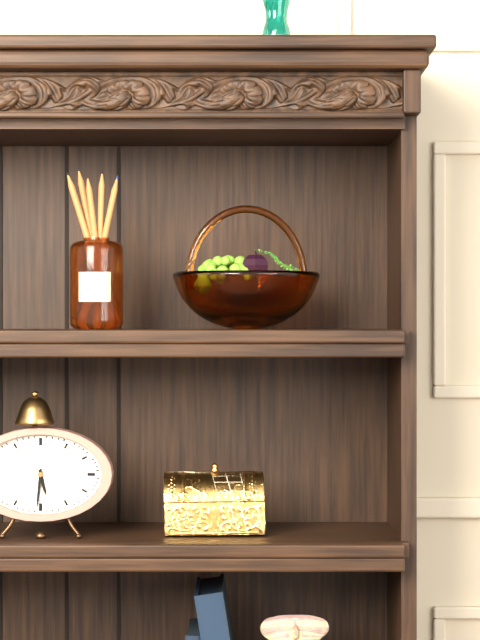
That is 5:31
